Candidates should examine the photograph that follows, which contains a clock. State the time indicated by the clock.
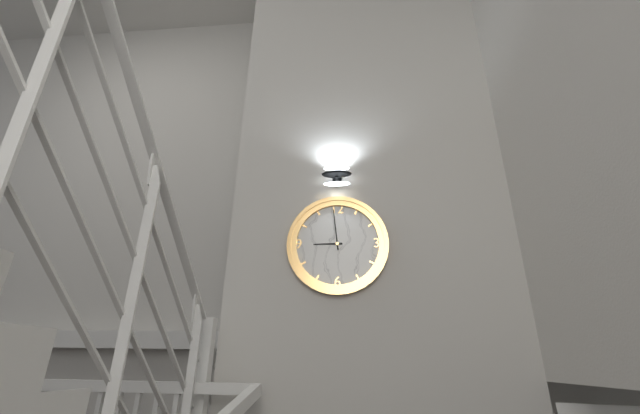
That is 8:59
